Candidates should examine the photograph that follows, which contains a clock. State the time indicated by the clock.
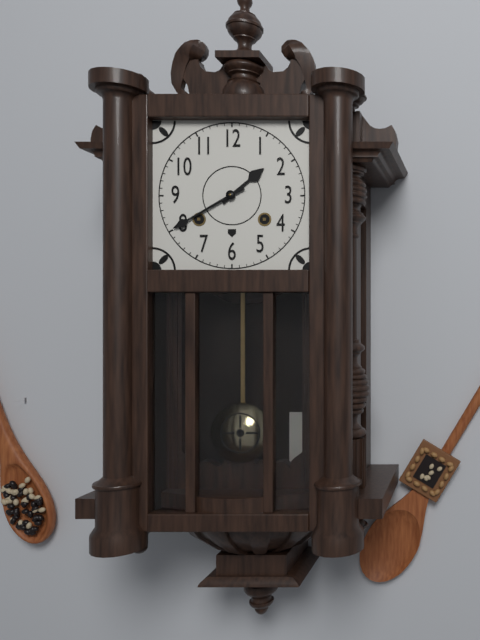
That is 1:40
